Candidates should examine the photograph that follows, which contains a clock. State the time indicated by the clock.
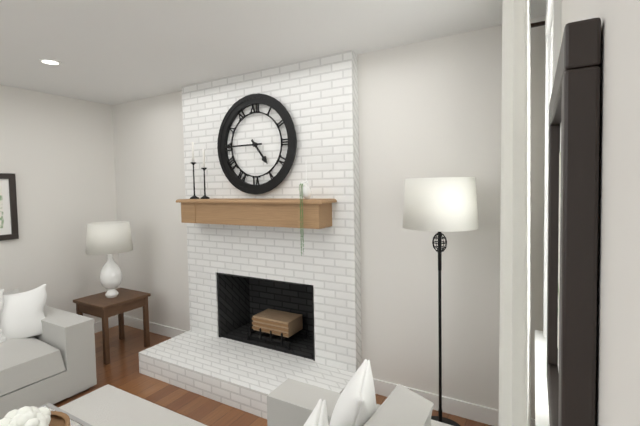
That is 4:45
